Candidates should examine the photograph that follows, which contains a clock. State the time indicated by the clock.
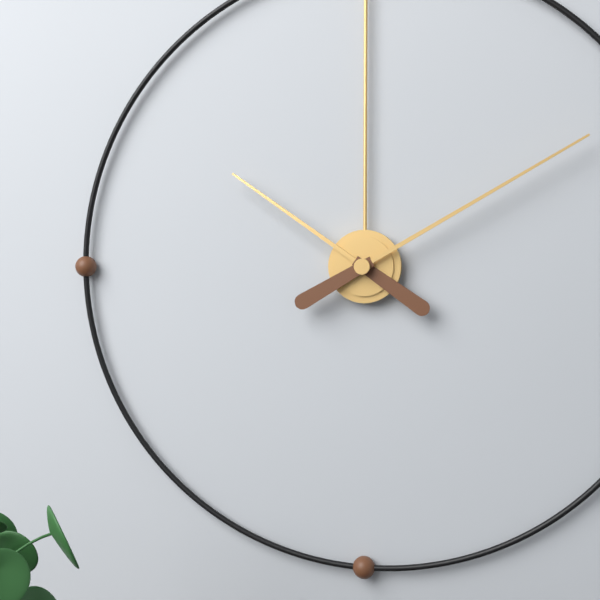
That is 10:10
